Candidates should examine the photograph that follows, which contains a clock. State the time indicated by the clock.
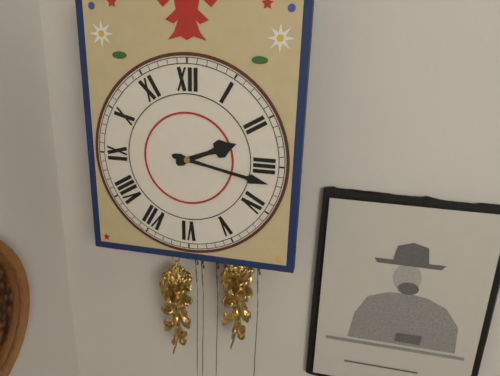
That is 2:17
